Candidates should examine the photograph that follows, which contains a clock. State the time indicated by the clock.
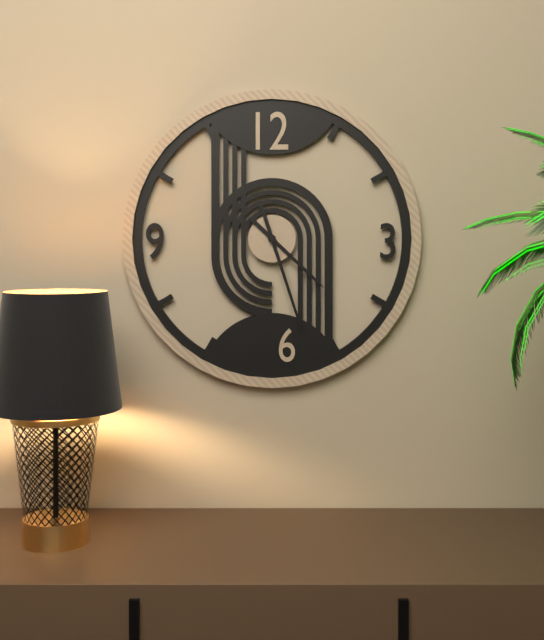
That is 4:27
